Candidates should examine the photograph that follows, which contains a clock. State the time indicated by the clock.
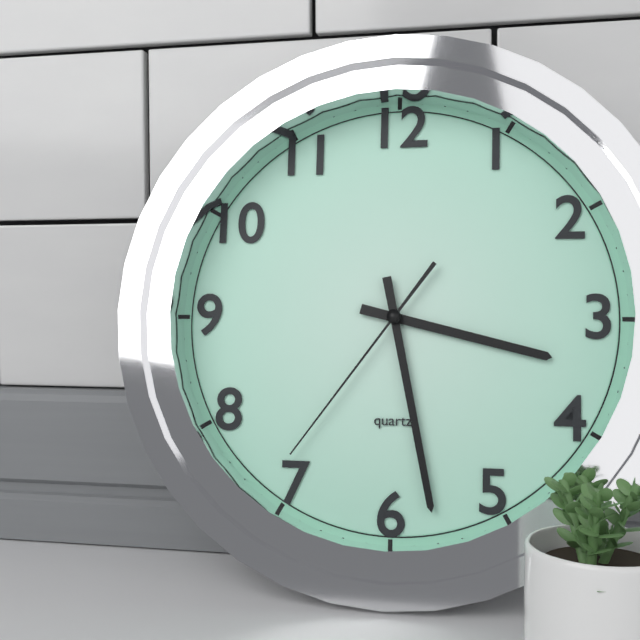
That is 3:28:36
